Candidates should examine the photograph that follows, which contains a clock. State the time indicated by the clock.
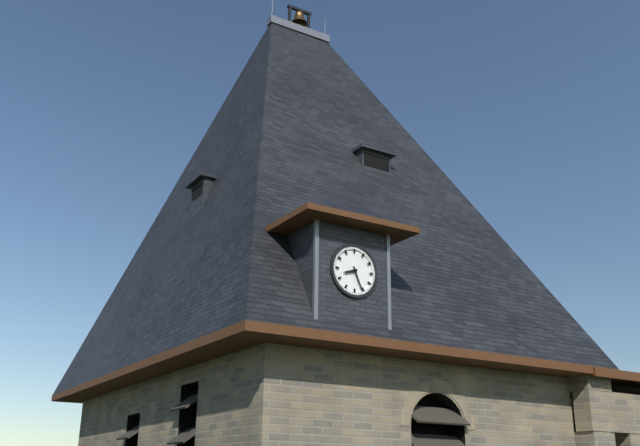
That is 8:26
